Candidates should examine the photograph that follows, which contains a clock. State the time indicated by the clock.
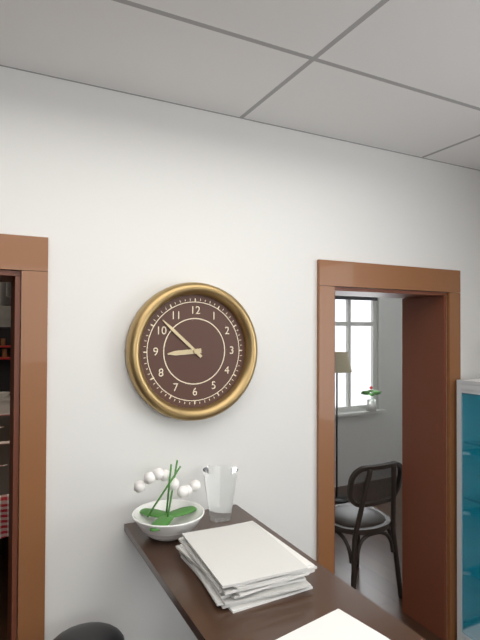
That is 8:52
